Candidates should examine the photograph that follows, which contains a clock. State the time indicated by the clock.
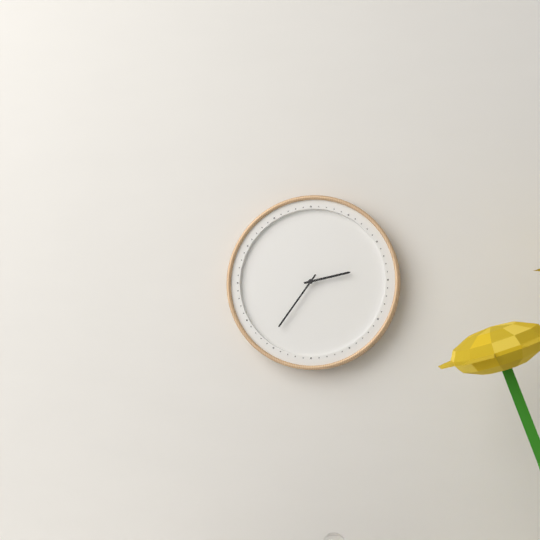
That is 2:36
